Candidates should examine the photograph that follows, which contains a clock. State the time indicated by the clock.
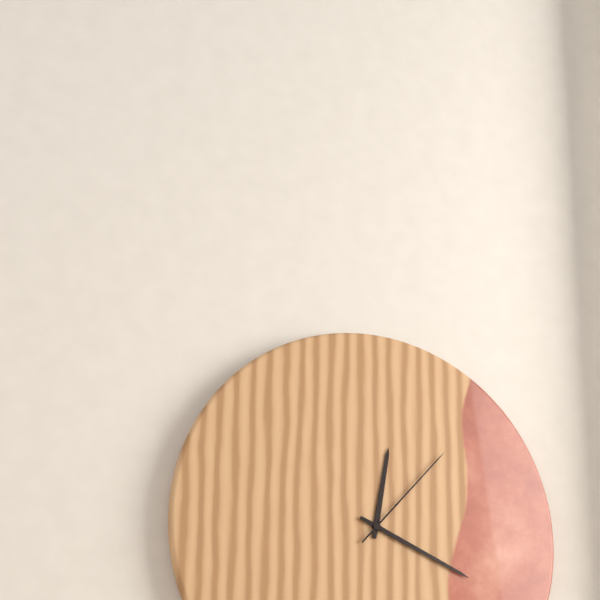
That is 12:19:07
